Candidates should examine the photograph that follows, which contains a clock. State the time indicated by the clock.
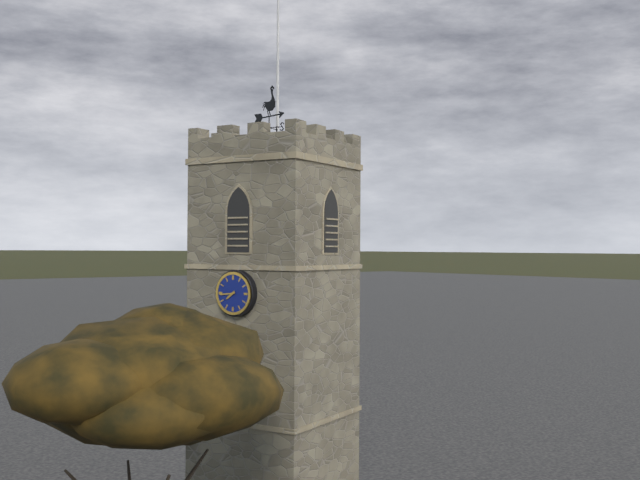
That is 7:44
